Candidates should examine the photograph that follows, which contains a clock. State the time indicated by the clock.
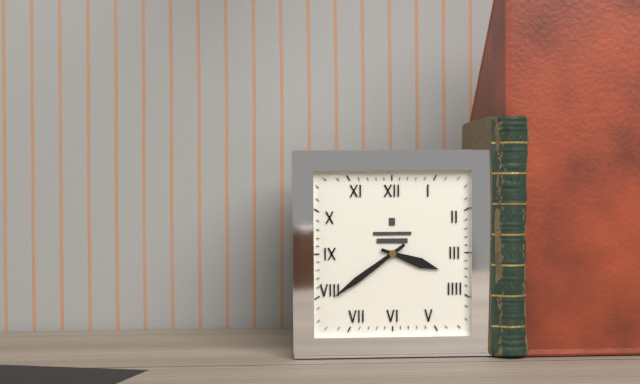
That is 3:39
